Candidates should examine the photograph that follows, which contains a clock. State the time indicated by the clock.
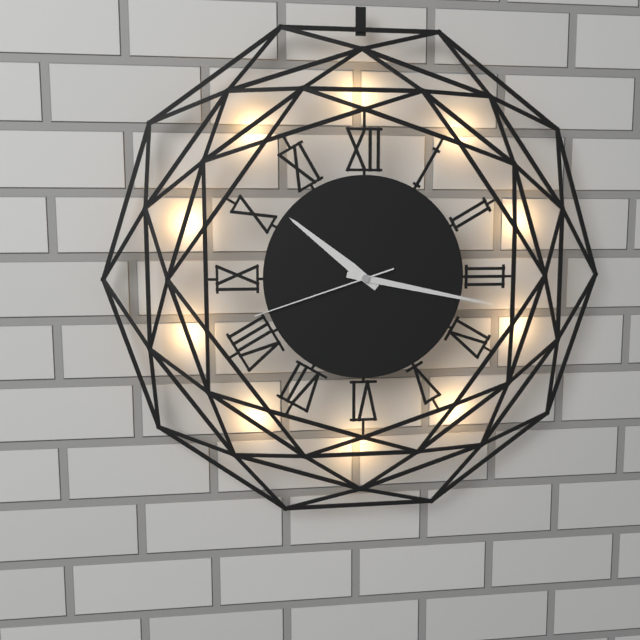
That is 10:17:42
